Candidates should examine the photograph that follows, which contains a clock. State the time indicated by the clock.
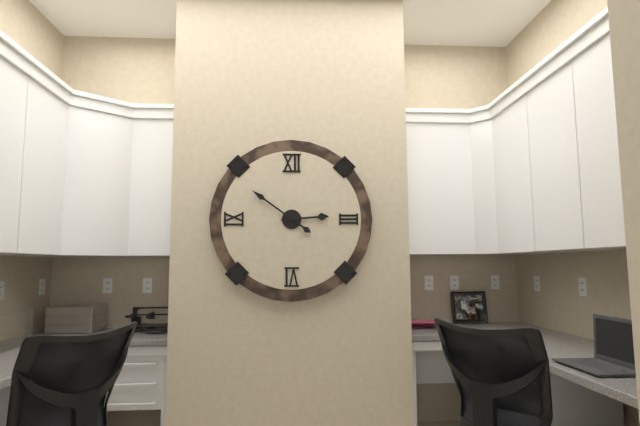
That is 2:51
